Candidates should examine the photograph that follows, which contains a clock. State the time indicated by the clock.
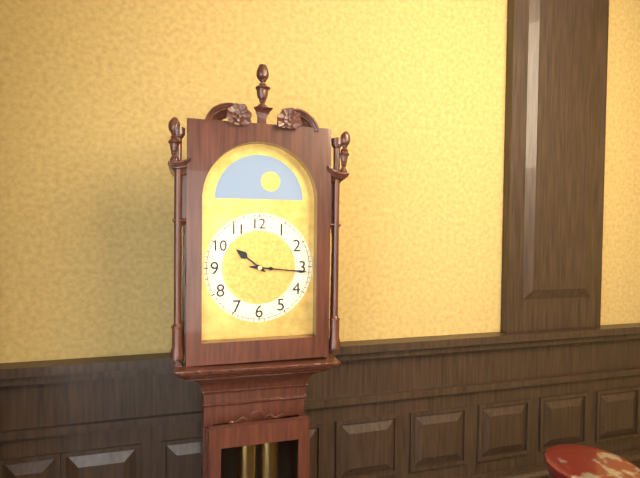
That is 10:16
